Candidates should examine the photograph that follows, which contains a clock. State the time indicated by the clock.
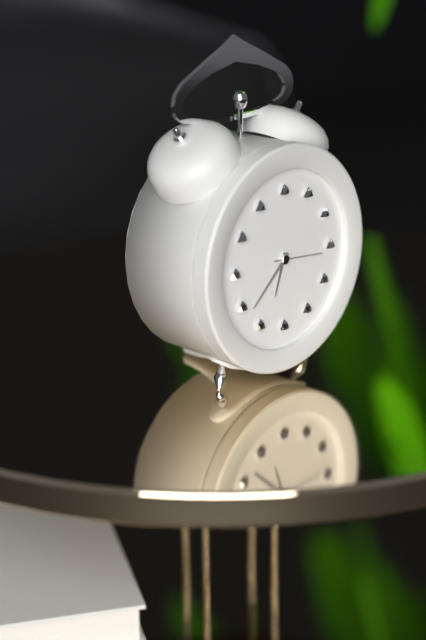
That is 6:38
